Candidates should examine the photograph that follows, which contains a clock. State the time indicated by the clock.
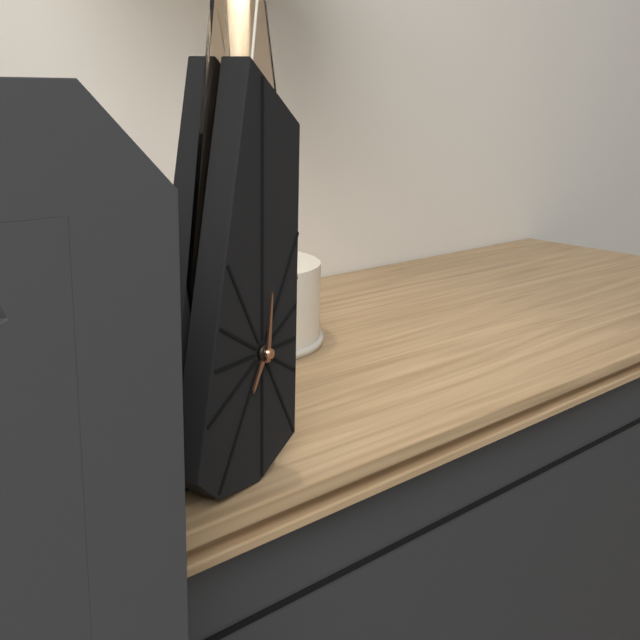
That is 7:01
